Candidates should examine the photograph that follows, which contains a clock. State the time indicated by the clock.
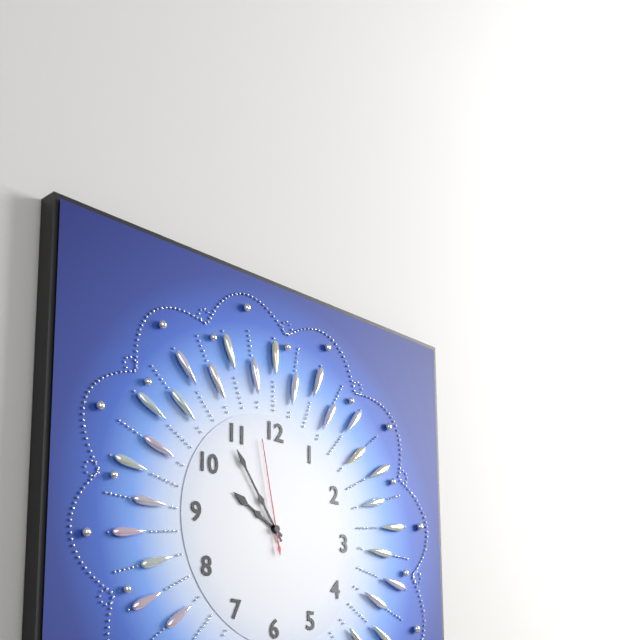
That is 9:54:58
